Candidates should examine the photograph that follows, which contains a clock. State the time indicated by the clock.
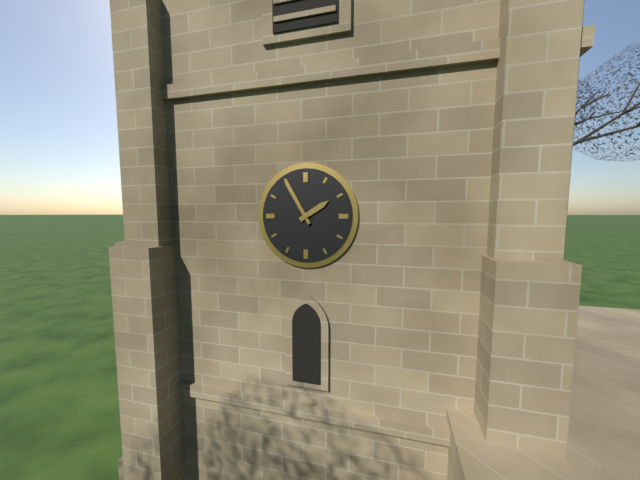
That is 1:55
